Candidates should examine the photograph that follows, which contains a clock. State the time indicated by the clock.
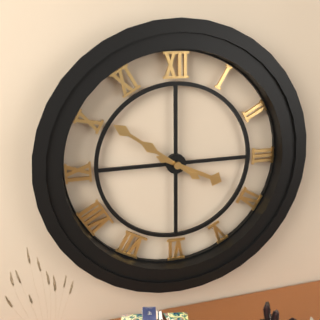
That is 3:51
